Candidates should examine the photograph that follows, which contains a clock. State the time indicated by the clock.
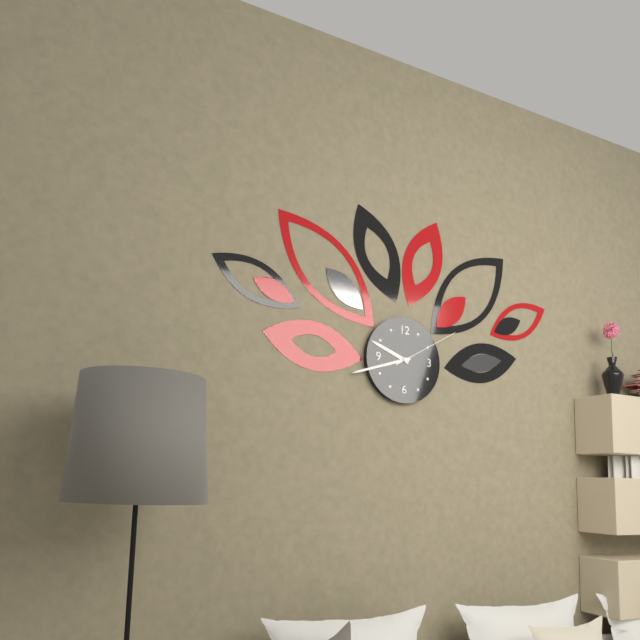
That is 9:42:10
